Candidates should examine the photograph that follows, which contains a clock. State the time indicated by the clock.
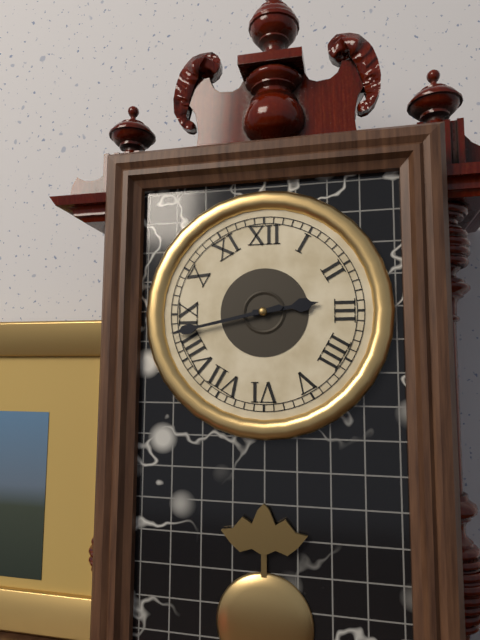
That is 2:43
